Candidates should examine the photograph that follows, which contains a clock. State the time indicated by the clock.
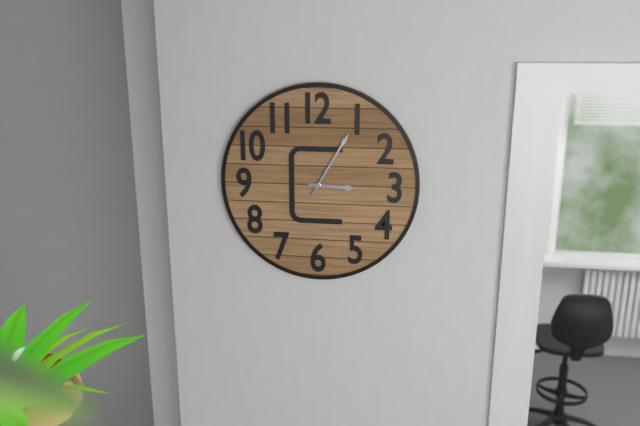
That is 3:05
